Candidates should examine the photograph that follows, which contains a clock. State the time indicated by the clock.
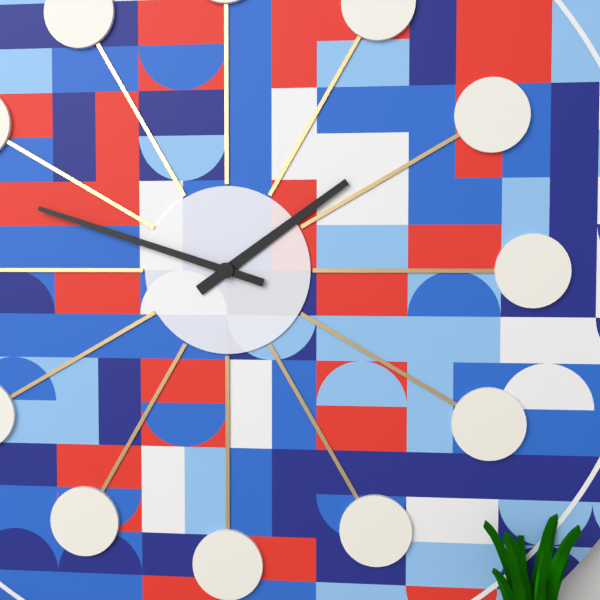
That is 1:48
